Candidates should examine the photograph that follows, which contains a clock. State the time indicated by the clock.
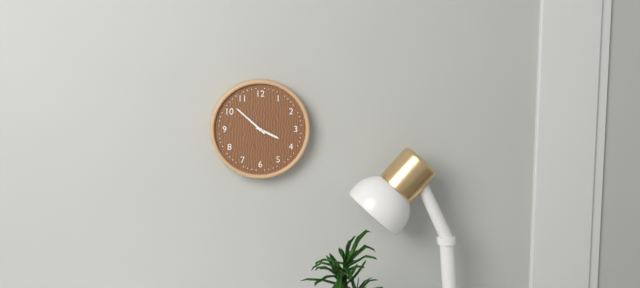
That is 3:52
